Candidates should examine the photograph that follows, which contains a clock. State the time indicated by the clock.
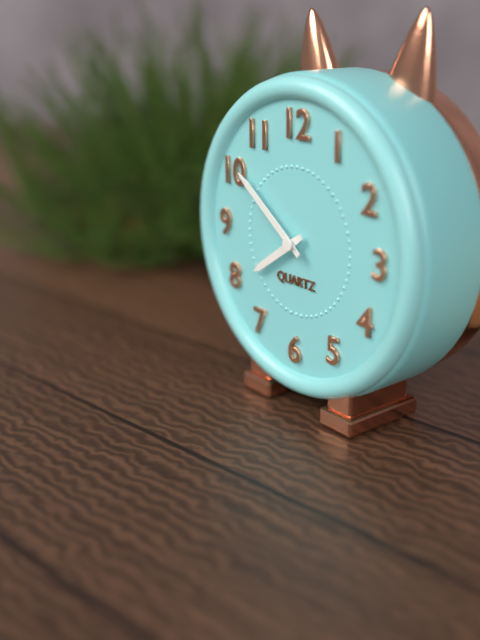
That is 7:51
